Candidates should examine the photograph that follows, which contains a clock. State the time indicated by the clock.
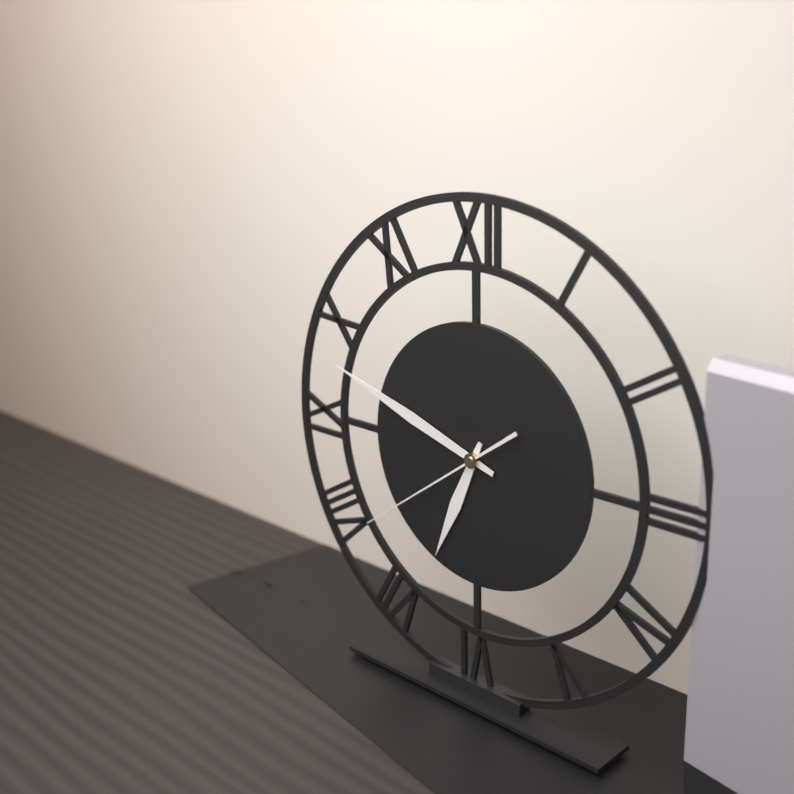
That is 6:48:39
